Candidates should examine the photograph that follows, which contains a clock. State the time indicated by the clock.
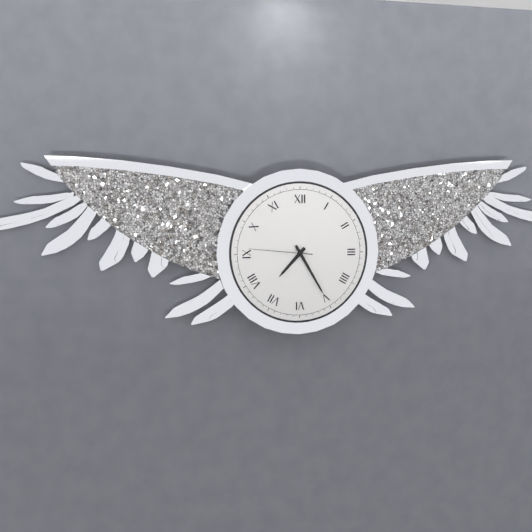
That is 7:25:46
